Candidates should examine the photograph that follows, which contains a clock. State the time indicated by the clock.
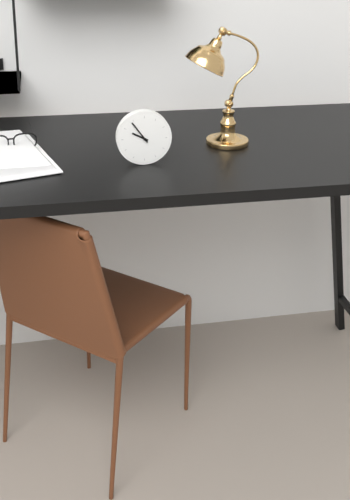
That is 9:54
